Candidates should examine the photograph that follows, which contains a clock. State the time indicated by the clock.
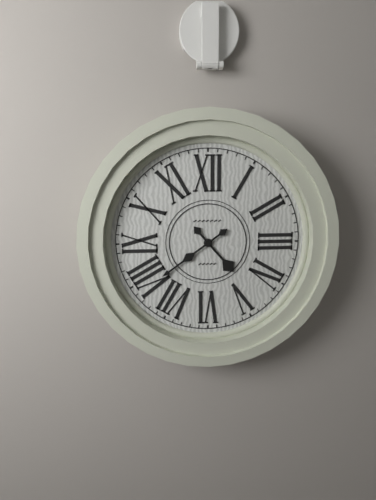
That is 4:39
